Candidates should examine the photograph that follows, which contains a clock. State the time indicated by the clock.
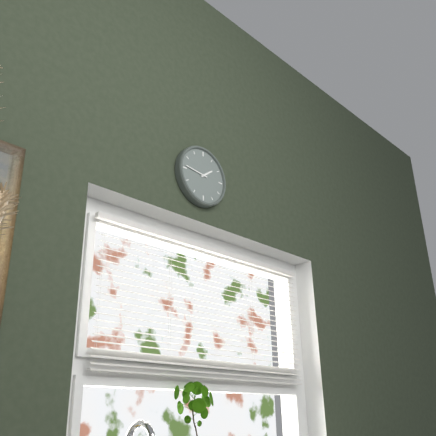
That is 1:46
